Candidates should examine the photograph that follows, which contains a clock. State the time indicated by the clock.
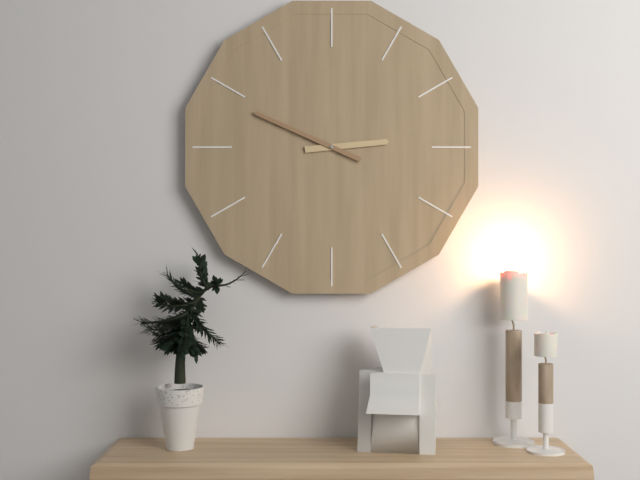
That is 2:49
